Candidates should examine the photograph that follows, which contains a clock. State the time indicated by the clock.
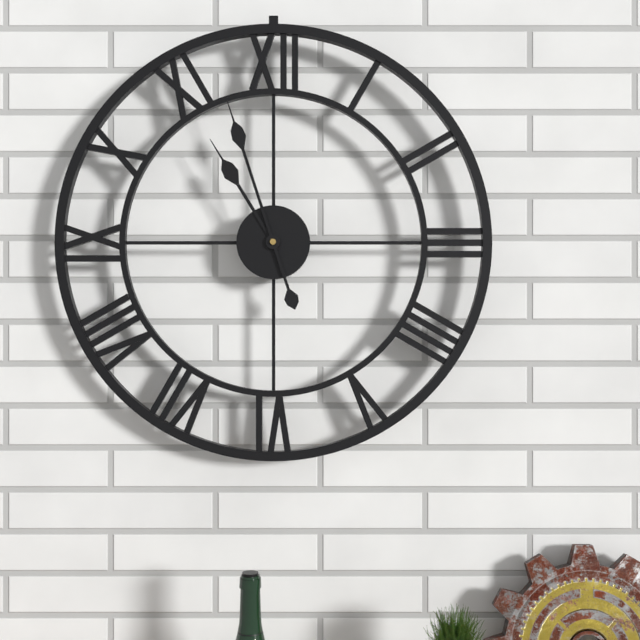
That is 10:57
